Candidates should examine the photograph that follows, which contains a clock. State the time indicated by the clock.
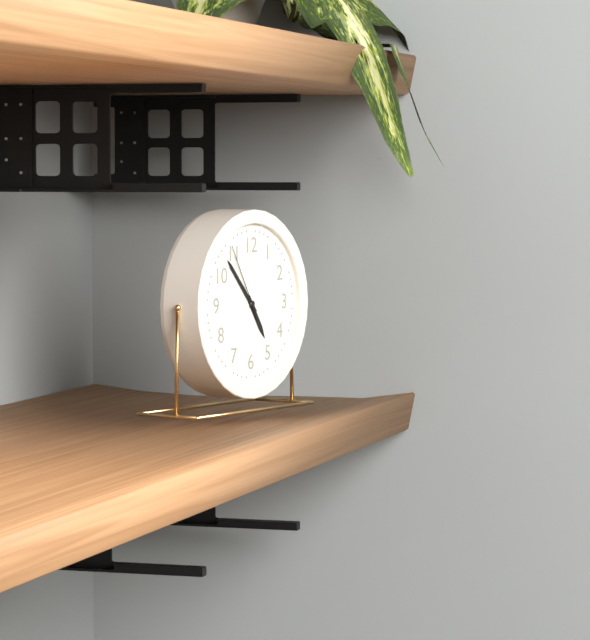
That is 4:53:55
